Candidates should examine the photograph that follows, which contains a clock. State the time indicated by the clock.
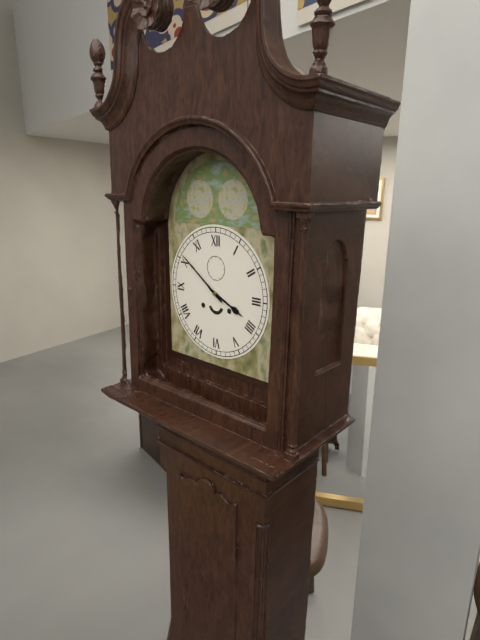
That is 3:51
